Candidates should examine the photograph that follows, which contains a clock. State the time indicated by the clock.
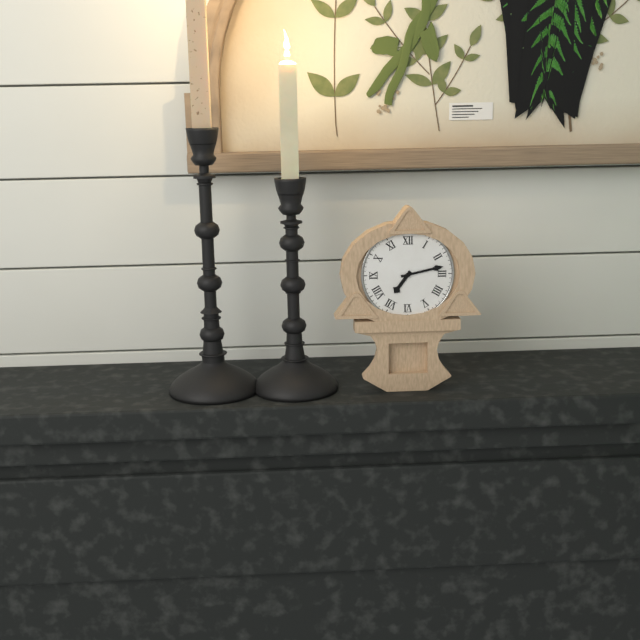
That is 7:13
